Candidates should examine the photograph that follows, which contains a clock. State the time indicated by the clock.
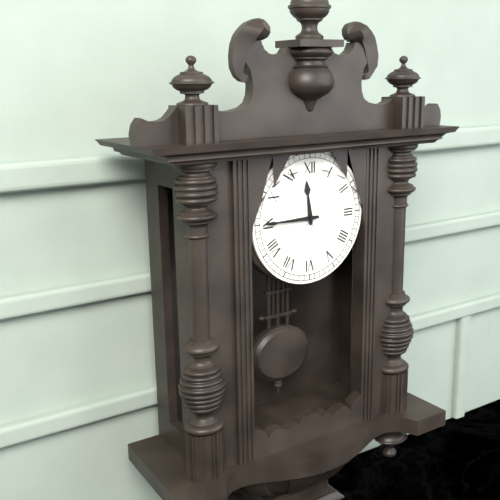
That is 11:45
